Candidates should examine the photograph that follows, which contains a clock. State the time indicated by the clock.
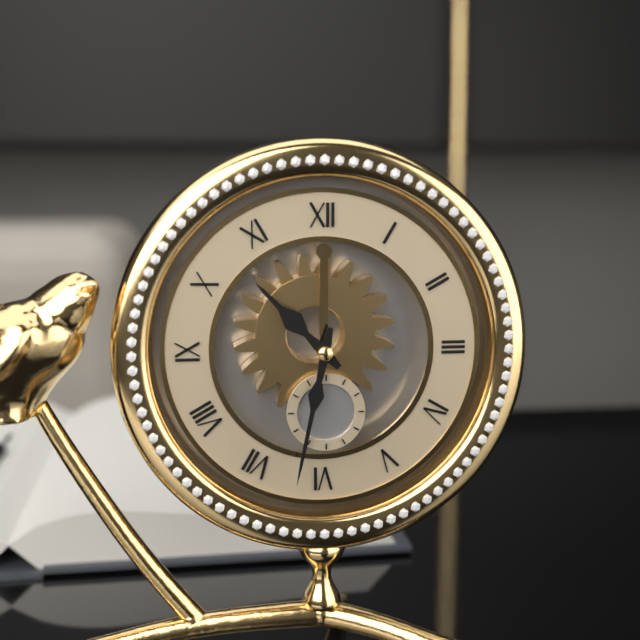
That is 10:32
